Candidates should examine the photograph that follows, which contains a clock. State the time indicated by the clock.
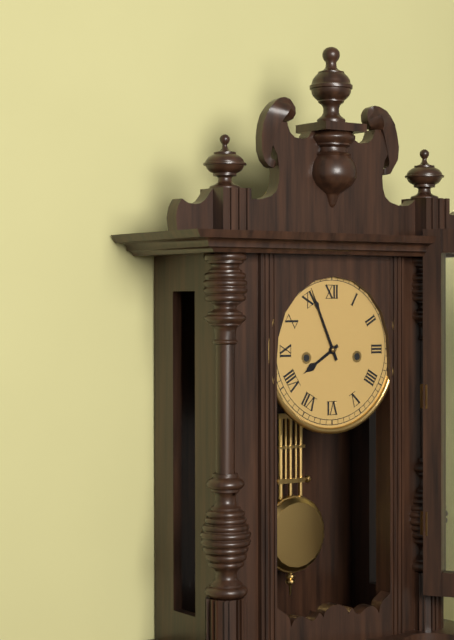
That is 7:56
